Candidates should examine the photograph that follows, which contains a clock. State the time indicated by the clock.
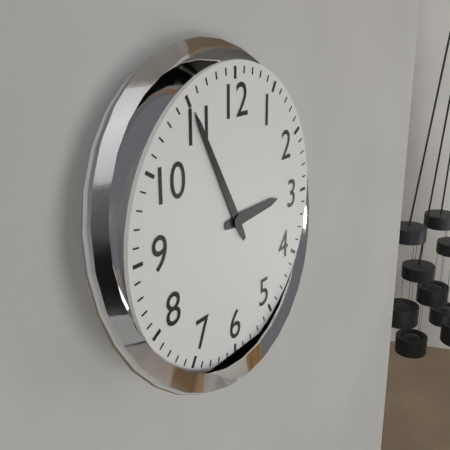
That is 2:55
